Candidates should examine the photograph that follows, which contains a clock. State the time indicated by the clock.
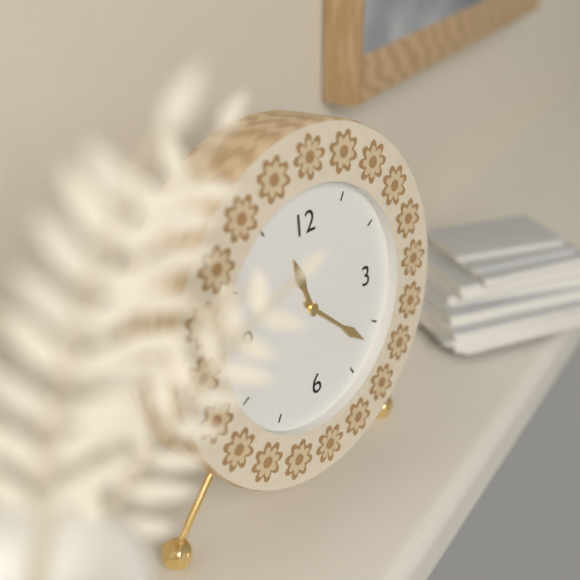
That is 11:22
